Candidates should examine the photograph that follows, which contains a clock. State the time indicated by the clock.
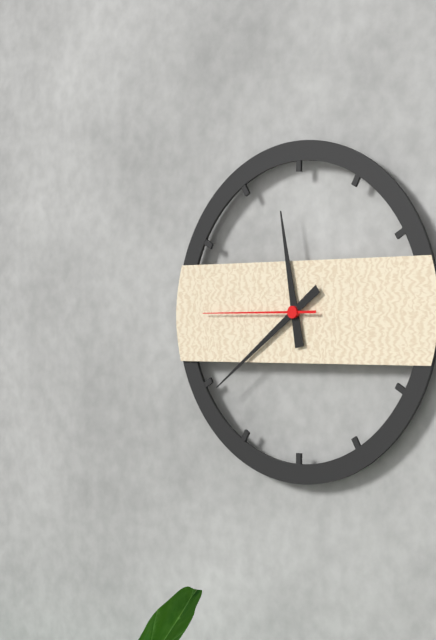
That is 11:39:45
